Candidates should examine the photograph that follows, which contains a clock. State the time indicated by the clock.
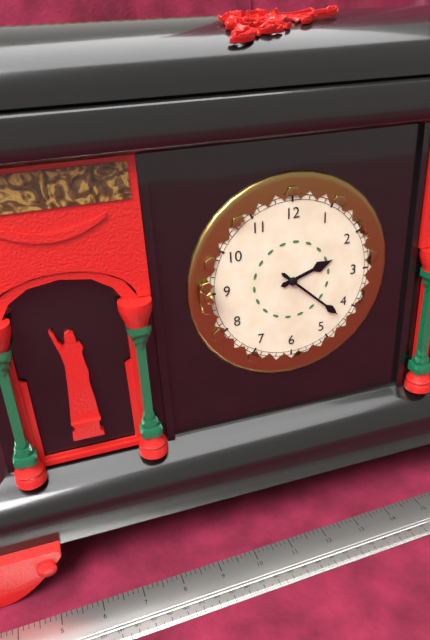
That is 2:22
